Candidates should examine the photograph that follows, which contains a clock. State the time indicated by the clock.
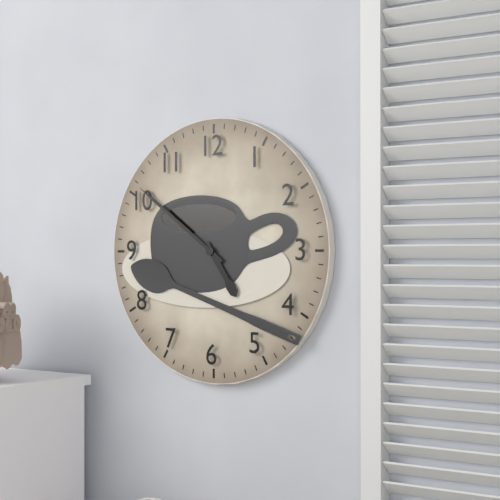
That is 4:51
